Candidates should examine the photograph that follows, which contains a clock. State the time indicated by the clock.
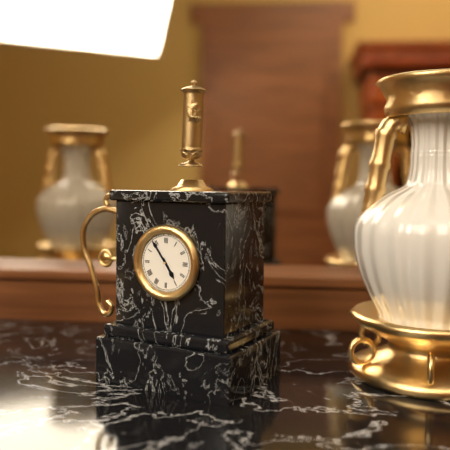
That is 4:54
